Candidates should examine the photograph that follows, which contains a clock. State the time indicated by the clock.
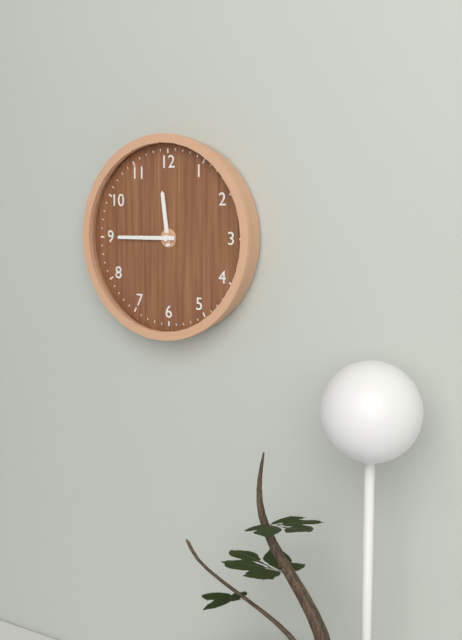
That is 11:45
